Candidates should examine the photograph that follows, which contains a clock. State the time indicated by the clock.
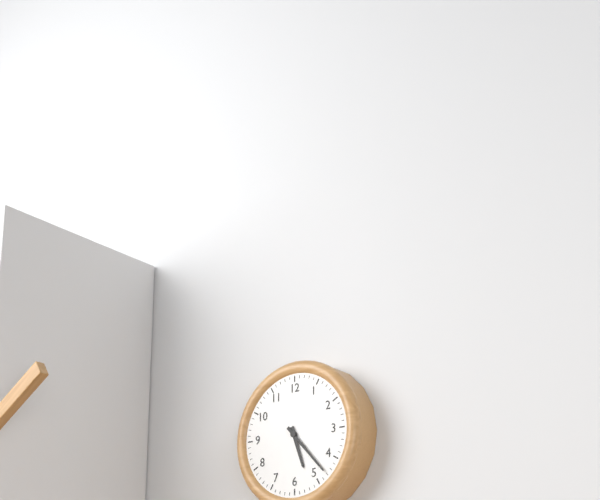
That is 5:23
